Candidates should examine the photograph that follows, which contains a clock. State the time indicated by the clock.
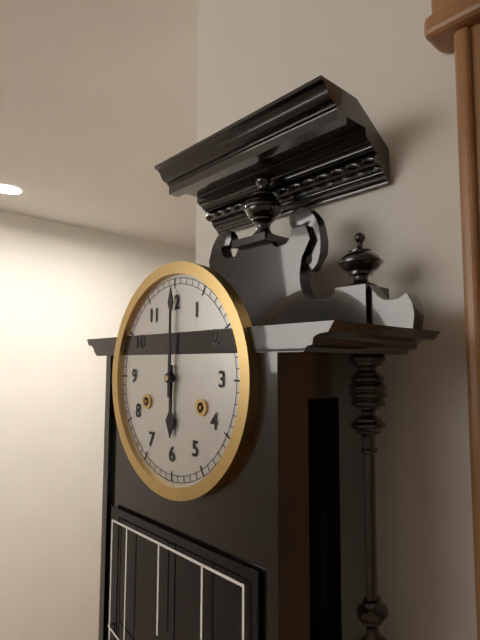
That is 6:00
